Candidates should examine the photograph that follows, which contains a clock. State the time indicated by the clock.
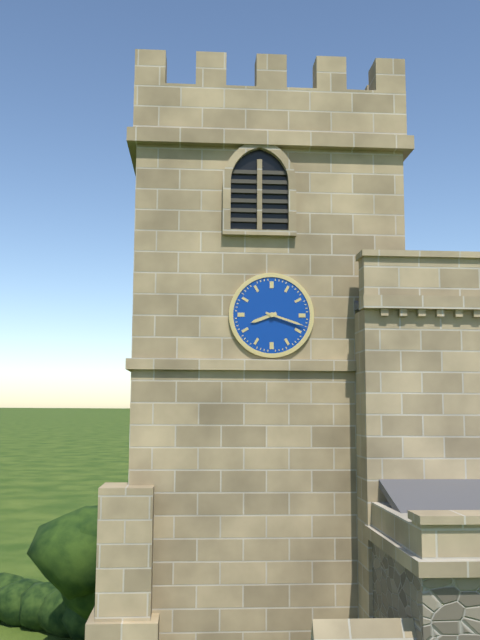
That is 8:18
